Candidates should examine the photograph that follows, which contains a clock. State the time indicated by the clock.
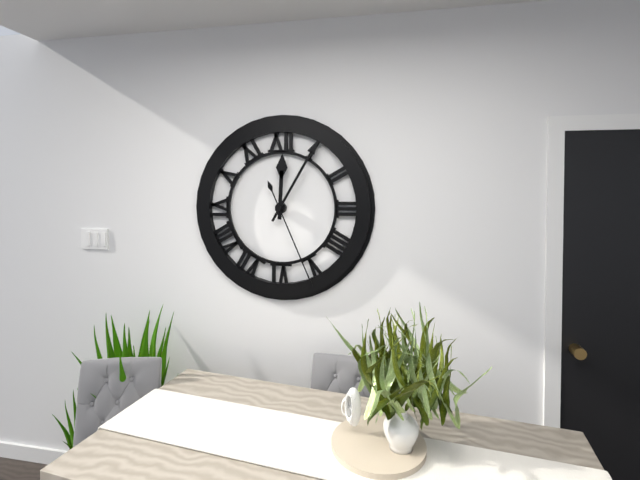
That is 12:05:26
